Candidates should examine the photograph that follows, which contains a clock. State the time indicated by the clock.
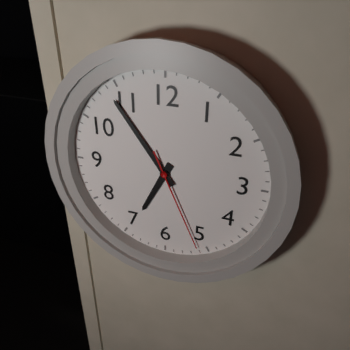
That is 6:54:26
